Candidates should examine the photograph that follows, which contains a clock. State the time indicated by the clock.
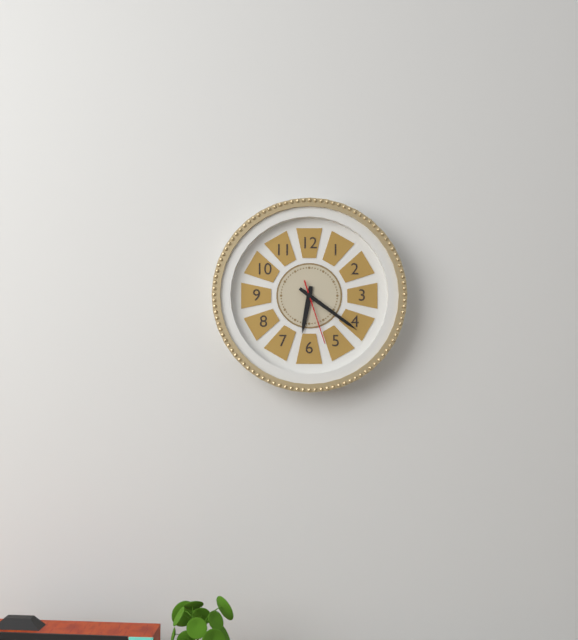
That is 6:21:27
